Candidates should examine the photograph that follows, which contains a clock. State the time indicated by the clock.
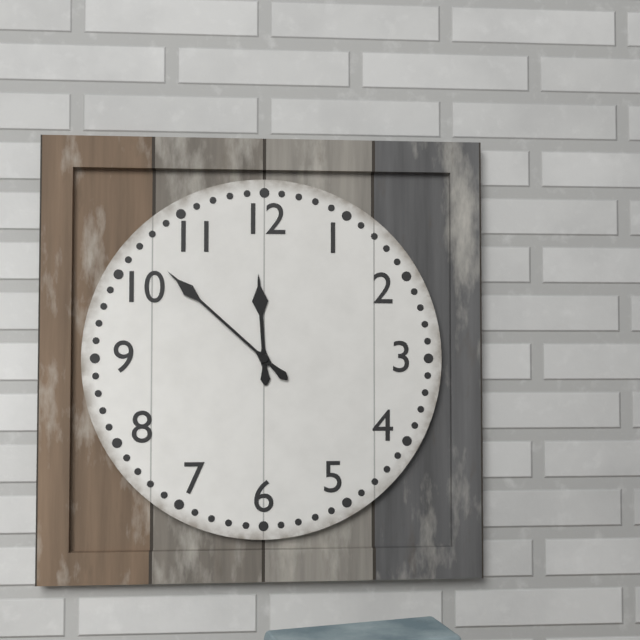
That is 11:52
